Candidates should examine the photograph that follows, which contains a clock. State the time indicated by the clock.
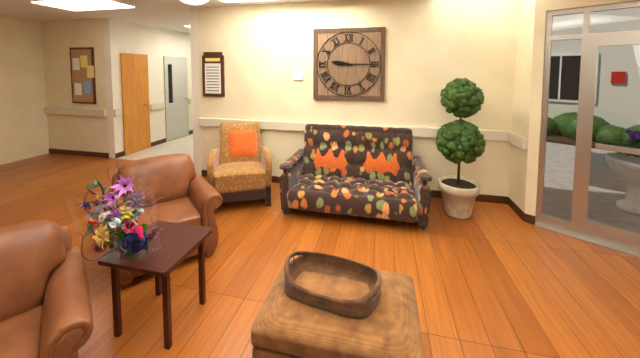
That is 9:15
